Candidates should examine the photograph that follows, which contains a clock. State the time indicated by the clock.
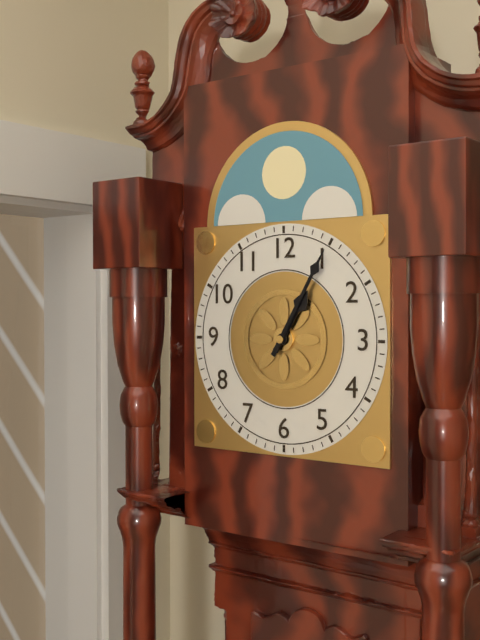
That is 1:05
